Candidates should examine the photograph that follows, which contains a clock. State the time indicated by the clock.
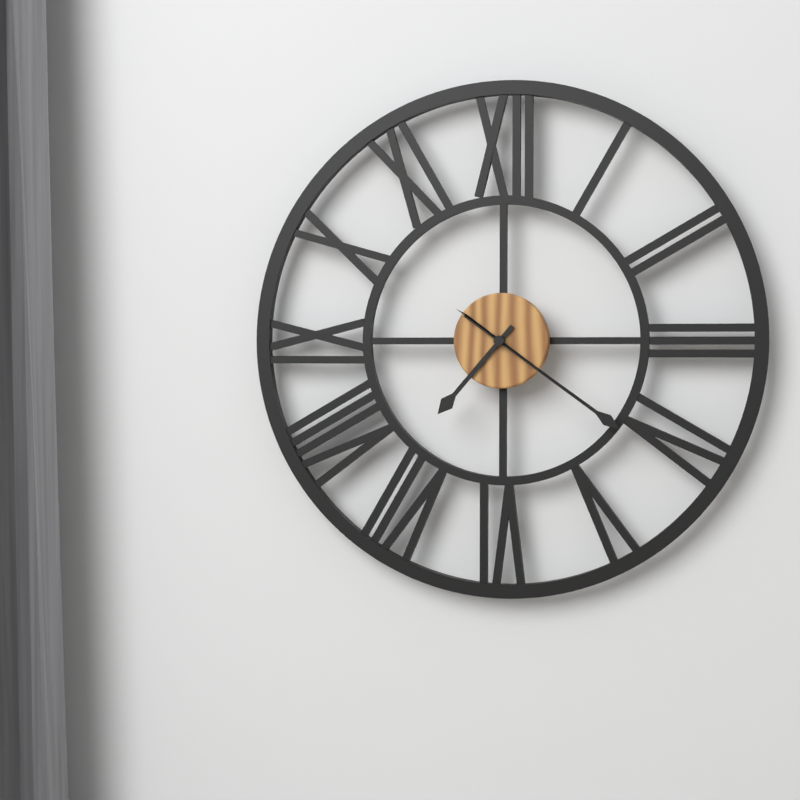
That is 7:21
